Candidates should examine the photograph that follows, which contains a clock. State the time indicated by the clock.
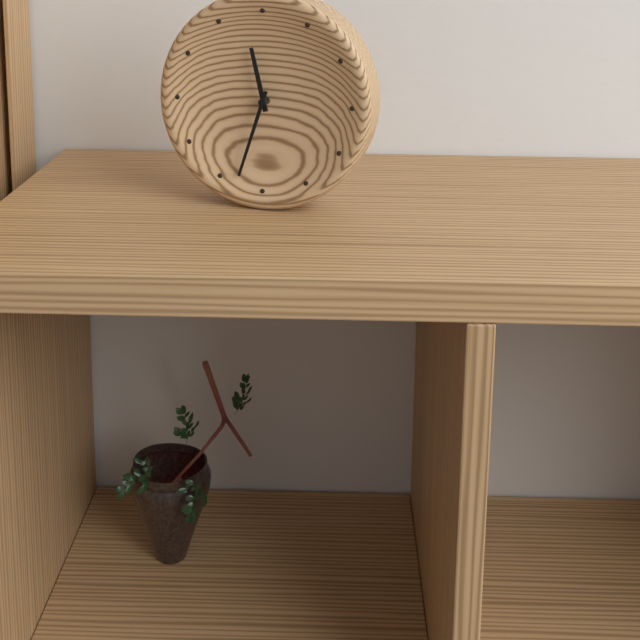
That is 11:33
